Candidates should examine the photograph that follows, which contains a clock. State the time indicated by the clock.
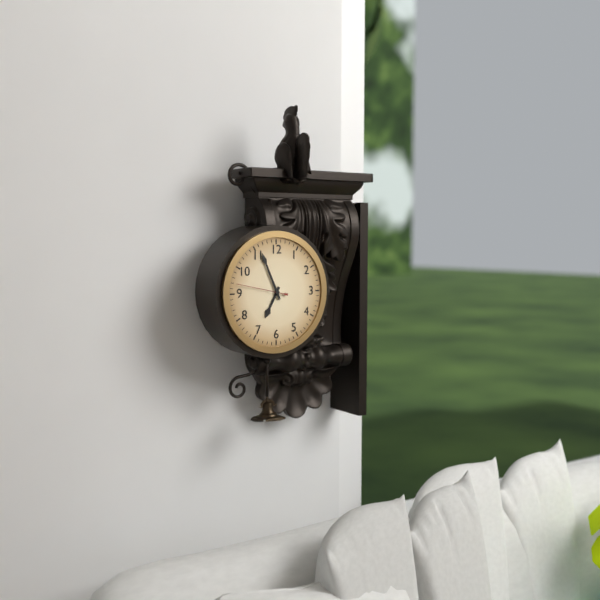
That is 6:56:47
